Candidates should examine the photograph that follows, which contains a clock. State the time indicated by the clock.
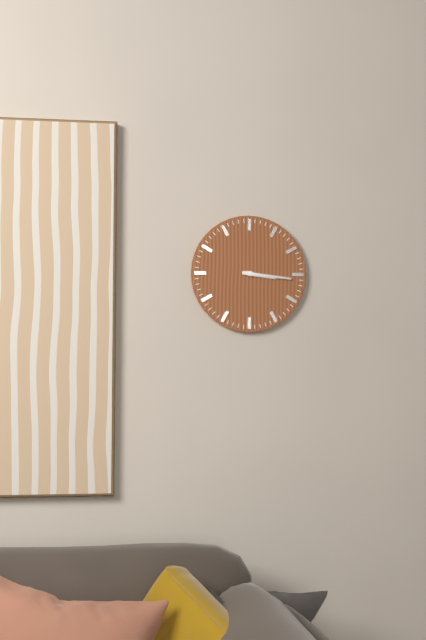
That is 3:16
